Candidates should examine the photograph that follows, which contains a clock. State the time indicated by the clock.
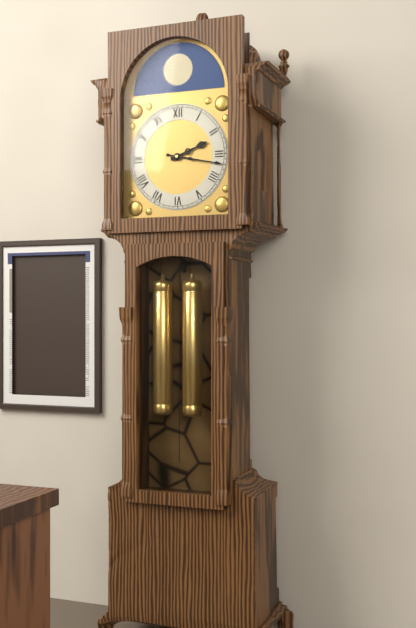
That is 2:17
